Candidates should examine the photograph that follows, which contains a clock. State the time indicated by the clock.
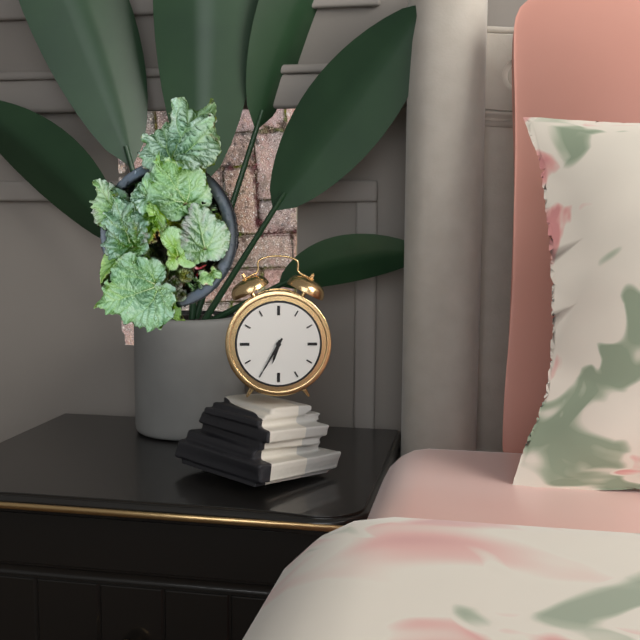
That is 6:35
